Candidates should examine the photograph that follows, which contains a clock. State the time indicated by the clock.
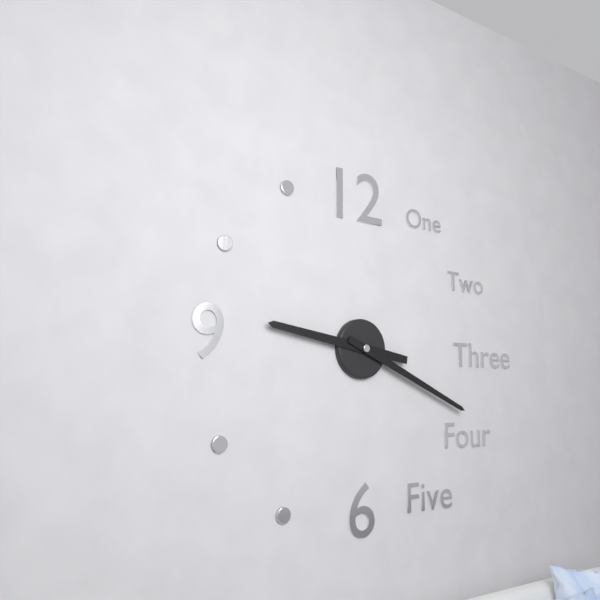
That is 9:19
